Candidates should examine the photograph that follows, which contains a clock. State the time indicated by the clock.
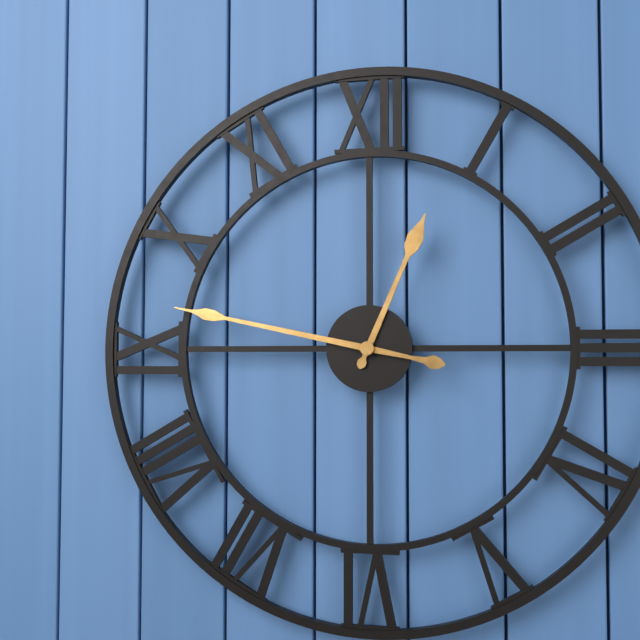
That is 12:47
